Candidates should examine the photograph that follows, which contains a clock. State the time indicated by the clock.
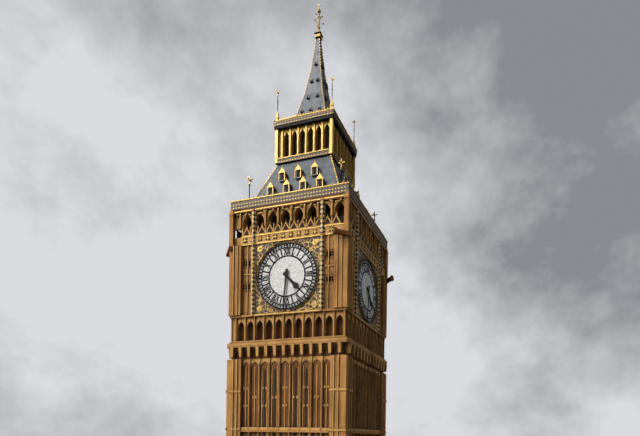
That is 4:31
